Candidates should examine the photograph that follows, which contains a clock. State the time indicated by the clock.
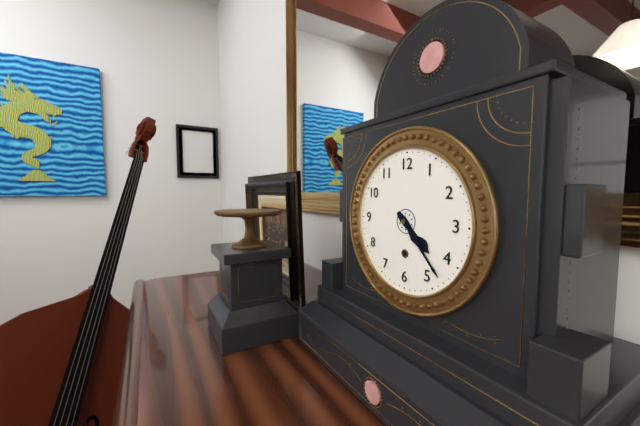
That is 4:23
